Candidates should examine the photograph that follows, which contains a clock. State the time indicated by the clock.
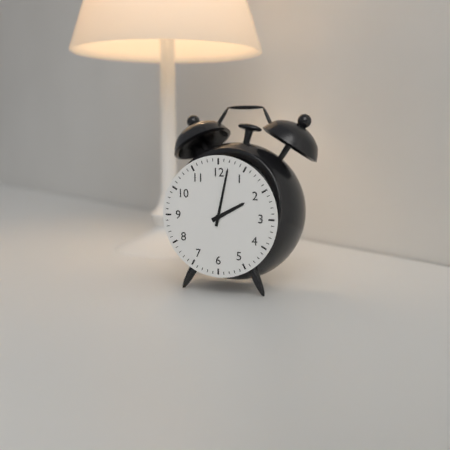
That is 2:02
